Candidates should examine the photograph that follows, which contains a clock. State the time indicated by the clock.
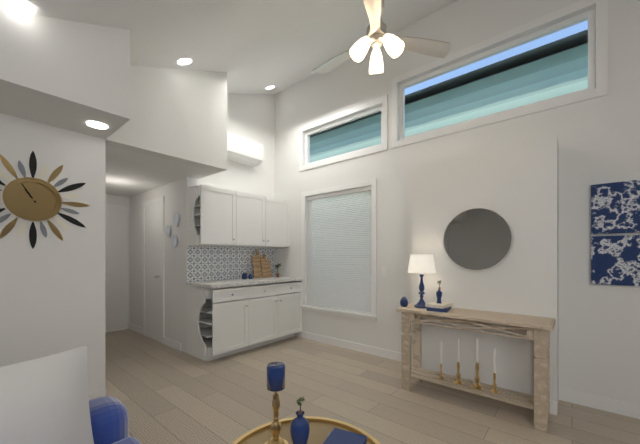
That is 10:55
